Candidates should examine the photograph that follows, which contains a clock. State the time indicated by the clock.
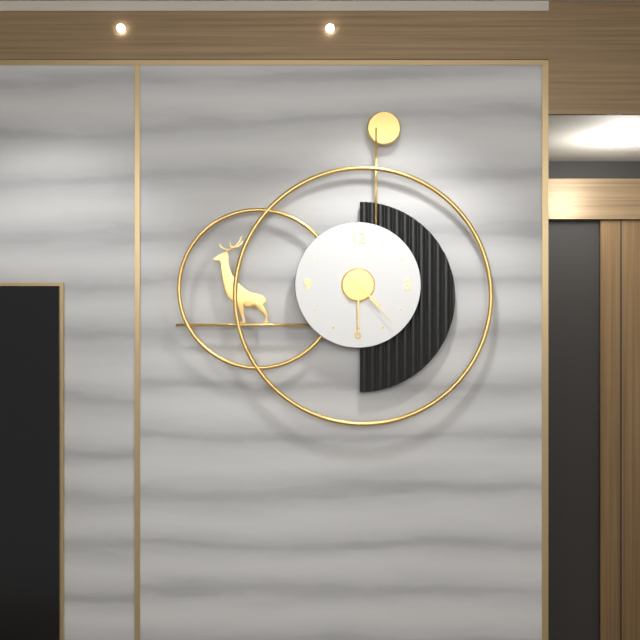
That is 4:30:23
